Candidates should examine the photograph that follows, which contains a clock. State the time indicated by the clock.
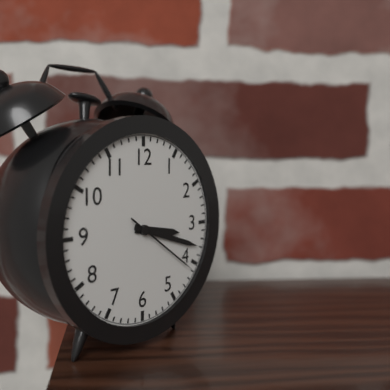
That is 3:18:21
